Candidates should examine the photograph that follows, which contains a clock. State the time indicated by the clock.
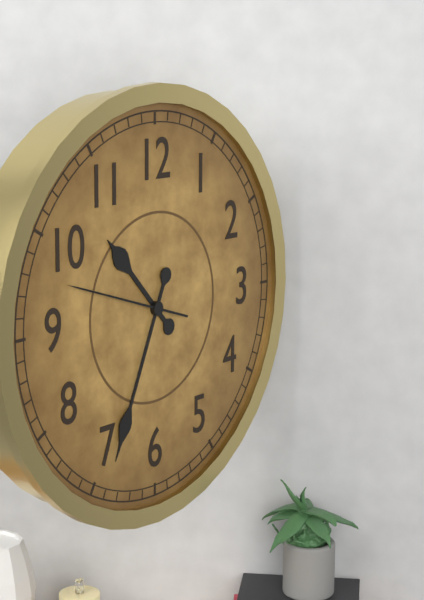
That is 10:34:48
